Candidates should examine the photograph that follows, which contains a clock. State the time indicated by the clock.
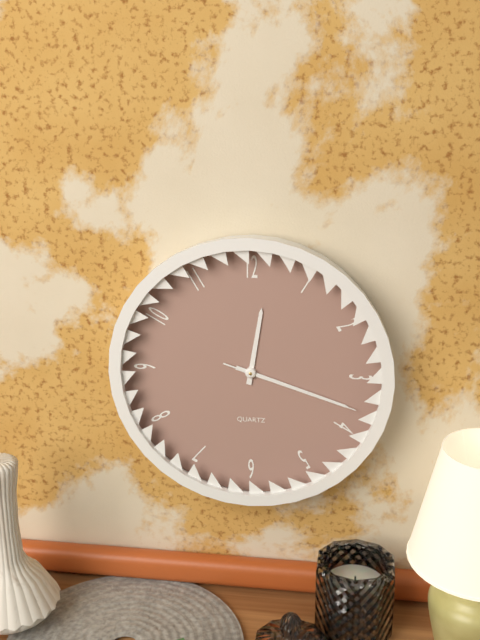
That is 12:18:18
